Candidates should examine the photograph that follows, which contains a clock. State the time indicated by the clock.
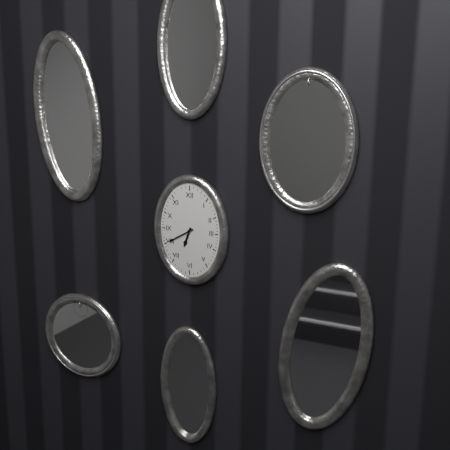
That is 6:40
